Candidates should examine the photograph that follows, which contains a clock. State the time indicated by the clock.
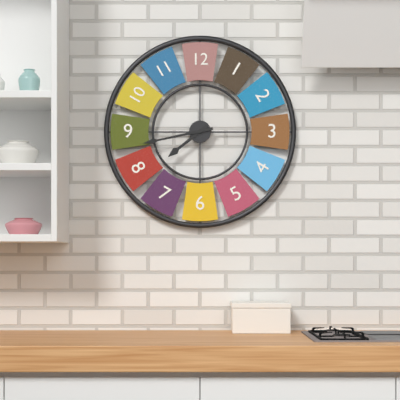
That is 7:43
